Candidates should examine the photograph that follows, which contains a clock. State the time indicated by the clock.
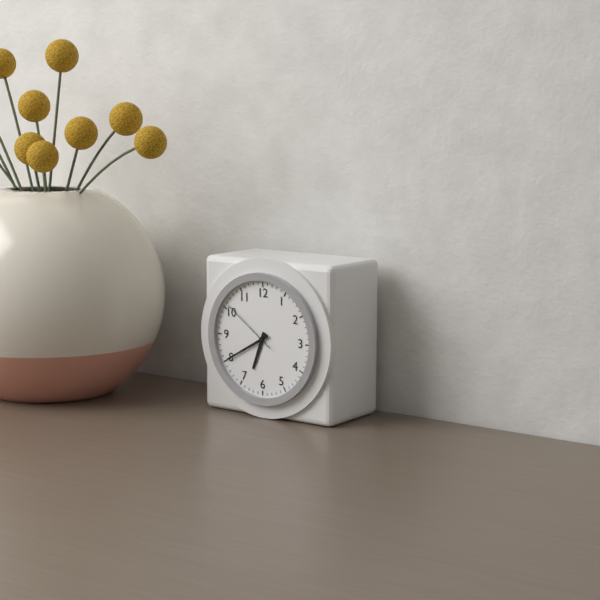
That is 6:40:51
